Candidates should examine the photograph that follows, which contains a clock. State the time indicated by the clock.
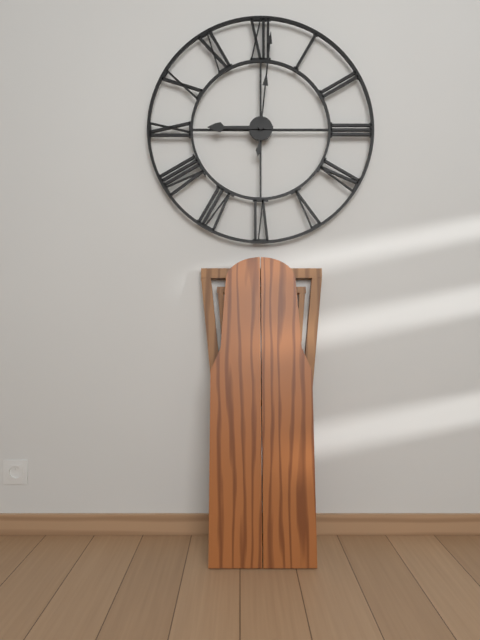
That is 9:01
